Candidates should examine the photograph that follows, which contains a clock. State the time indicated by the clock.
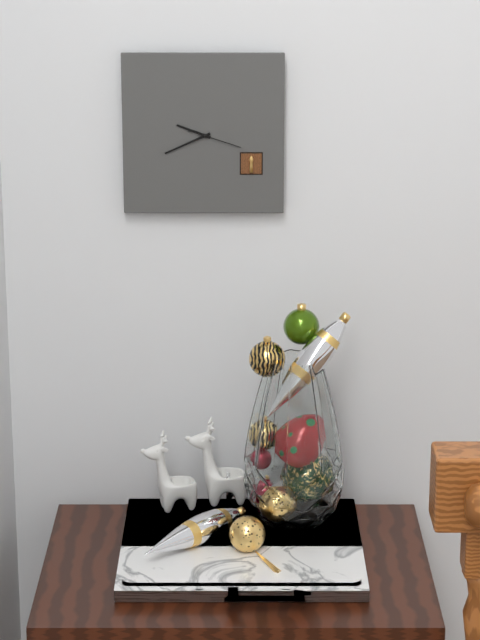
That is 9:41
